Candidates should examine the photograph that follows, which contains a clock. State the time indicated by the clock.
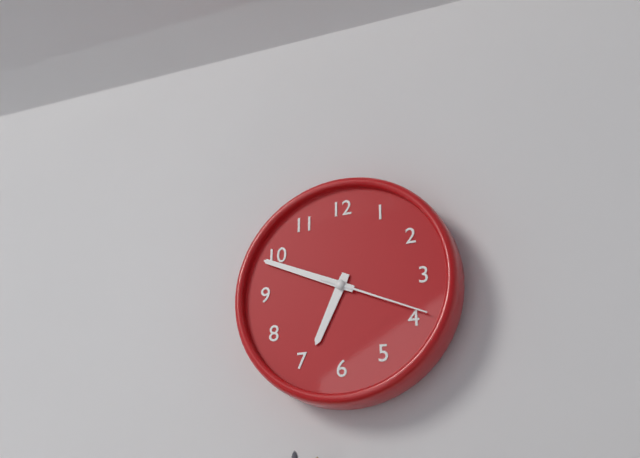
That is 6:49:19
